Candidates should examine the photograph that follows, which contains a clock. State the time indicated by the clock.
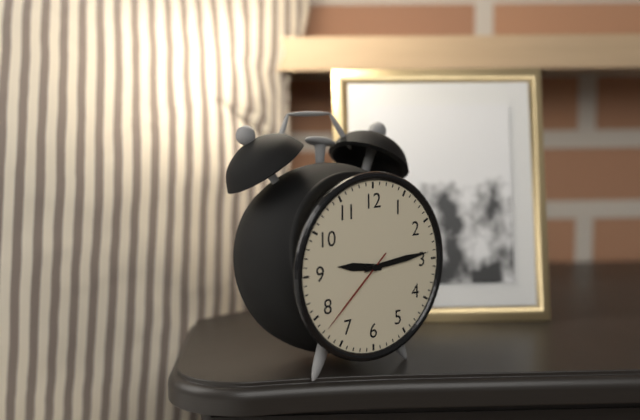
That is 9:14:38
